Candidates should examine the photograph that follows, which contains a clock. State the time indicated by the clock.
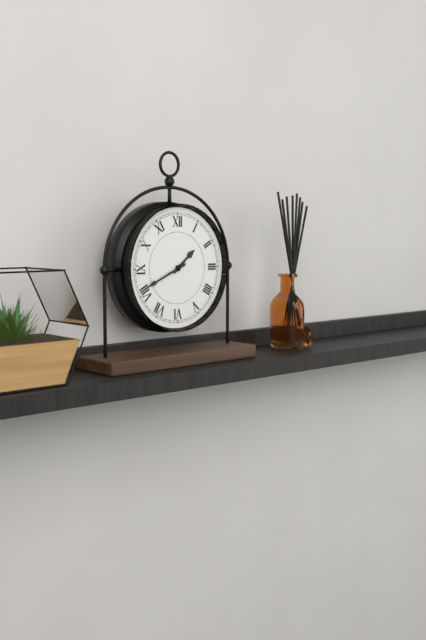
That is 1:41
